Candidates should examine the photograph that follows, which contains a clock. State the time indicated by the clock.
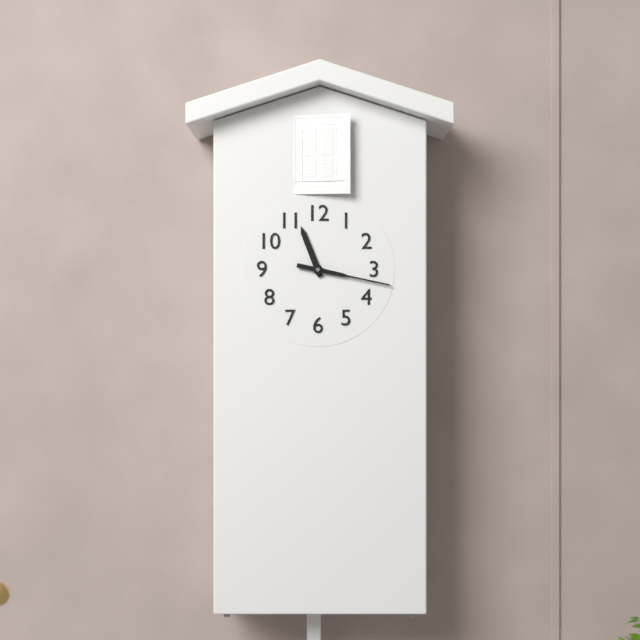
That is 11:17
